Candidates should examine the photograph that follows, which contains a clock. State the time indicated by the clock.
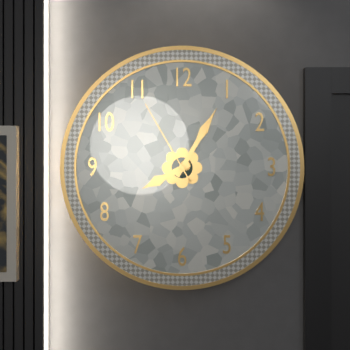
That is 8:05:55
